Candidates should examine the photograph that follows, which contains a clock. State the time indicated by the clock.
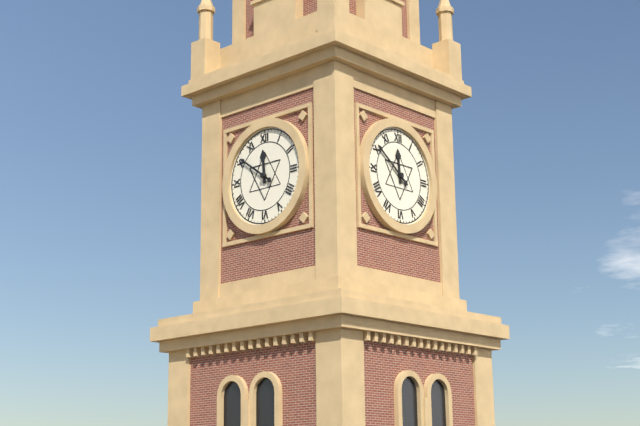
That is 11:51
